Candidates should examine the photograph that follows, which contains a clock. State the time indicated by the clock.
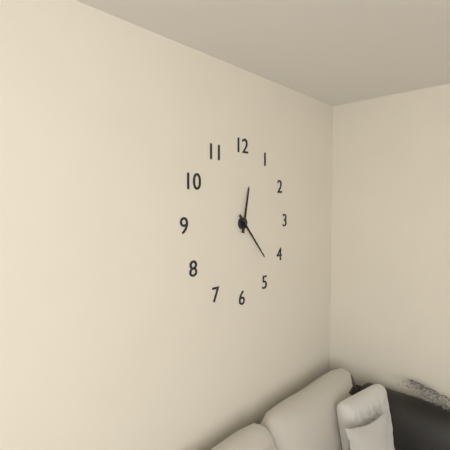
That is 12:23
